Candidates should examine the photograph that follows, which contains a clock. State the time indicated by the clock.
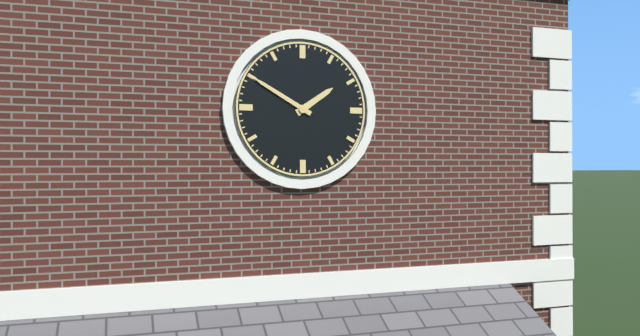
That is 1:50
